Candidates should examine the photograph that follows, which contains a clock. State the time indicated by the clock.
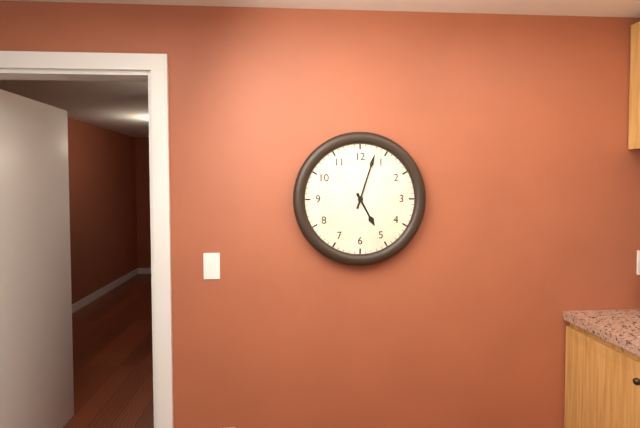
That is 5:03
